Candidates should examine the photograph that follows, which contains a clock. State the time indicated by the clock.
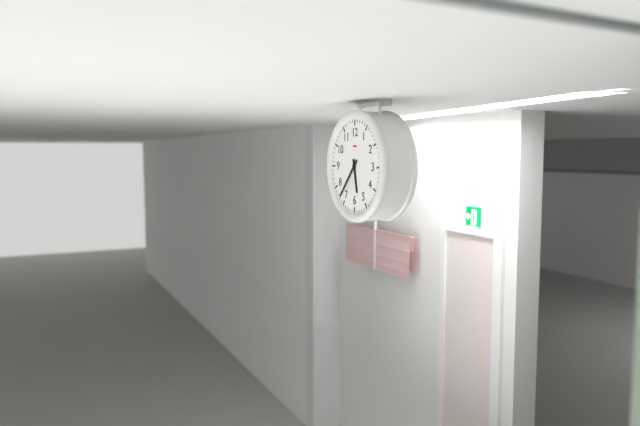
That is 5:37
